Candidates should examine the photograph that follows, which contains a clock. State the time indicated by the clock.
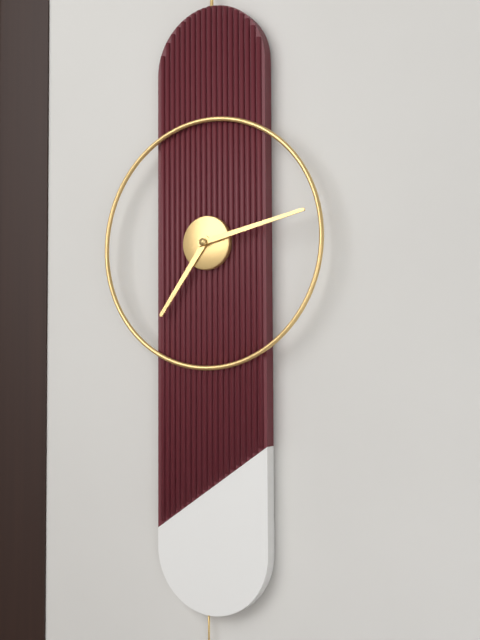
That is 7:13
